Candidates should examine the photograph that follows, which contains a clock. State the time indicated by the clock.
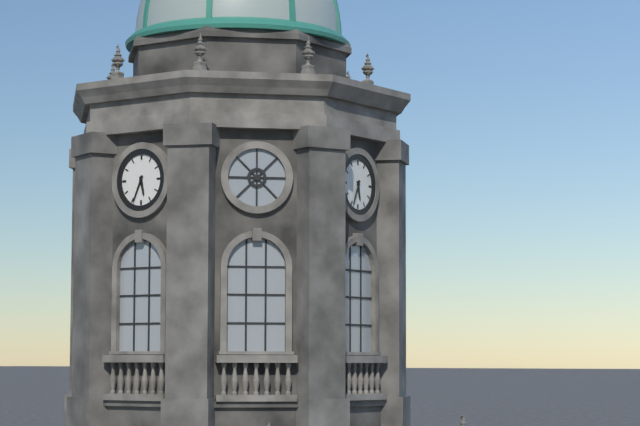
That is 5:34
